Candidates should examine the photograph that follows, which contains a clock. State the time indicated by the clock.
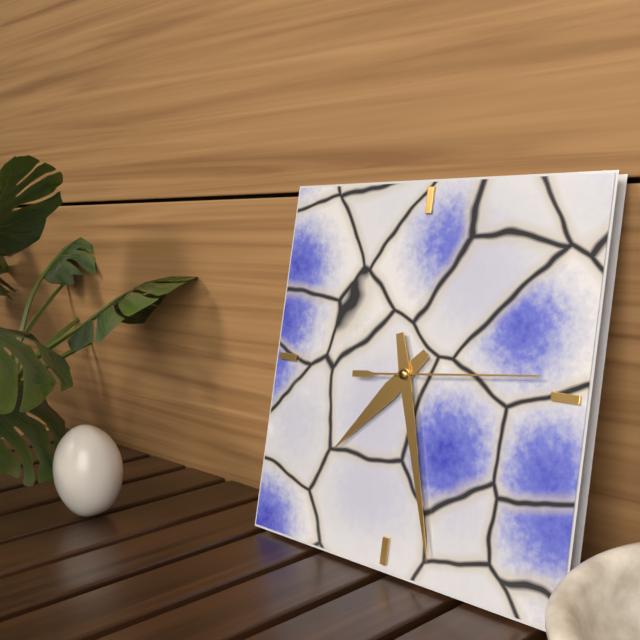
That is 7:27:14
